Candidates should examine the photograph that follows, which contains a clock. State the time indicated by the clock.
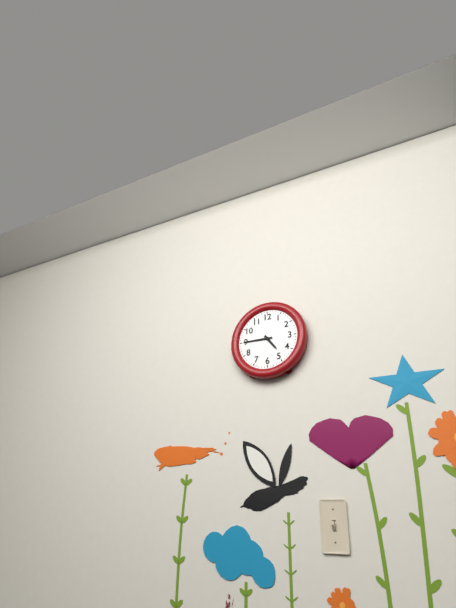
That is 4:45
